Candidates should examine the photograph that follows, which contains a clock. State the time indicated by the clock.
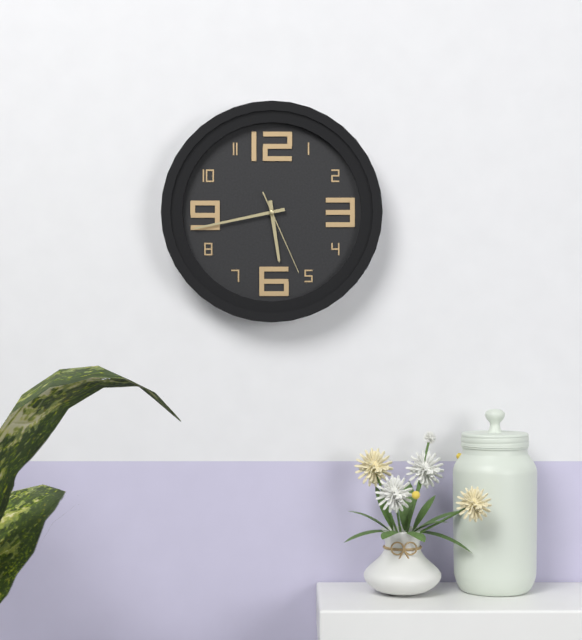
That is 5:43:26
